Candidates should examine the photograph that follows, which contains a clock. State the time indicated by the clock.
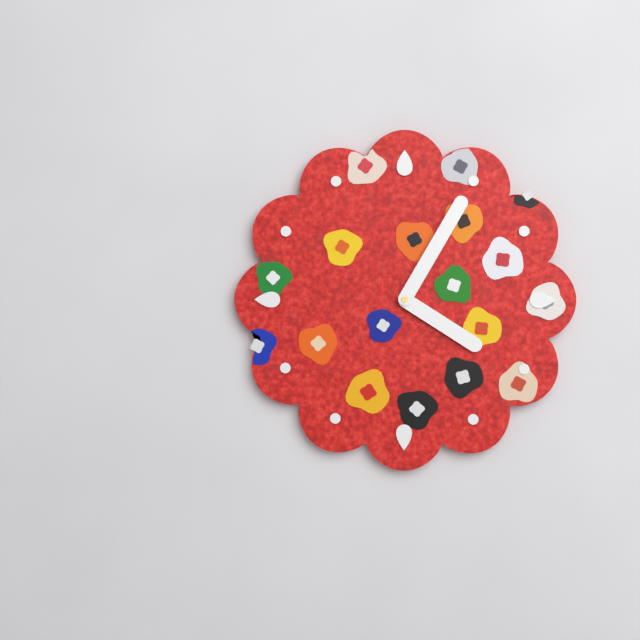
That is 4:05
